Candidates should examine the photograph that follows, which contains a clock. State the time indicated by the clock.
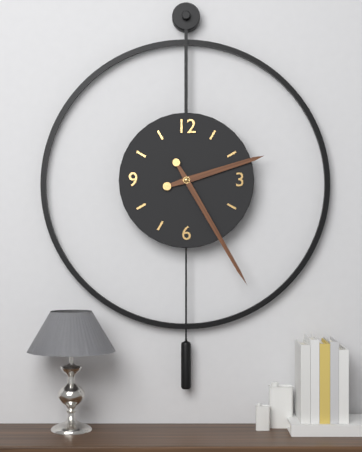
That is 2:25
